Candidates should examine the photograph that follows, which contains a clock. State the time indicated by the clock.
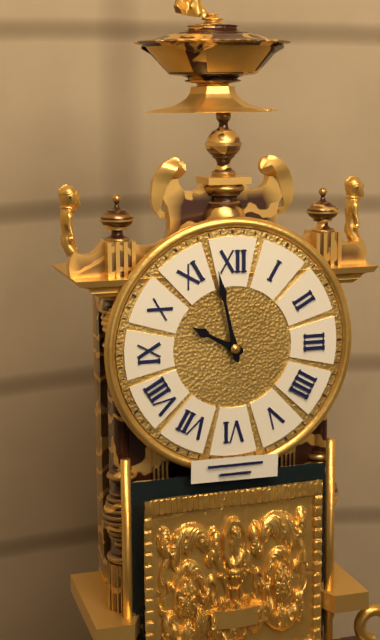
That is 9:58
